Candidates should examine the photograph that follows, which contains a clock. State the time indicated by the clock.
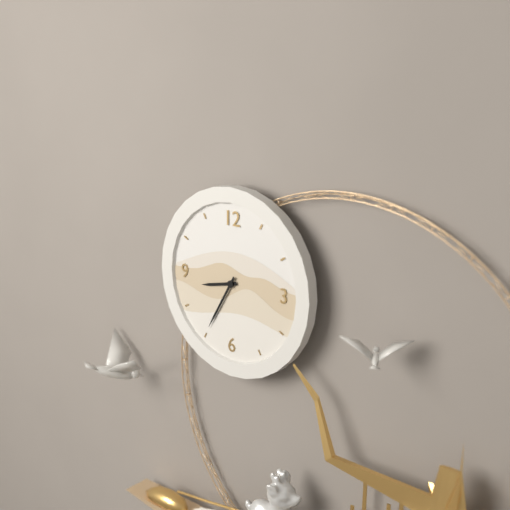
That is 8:35
